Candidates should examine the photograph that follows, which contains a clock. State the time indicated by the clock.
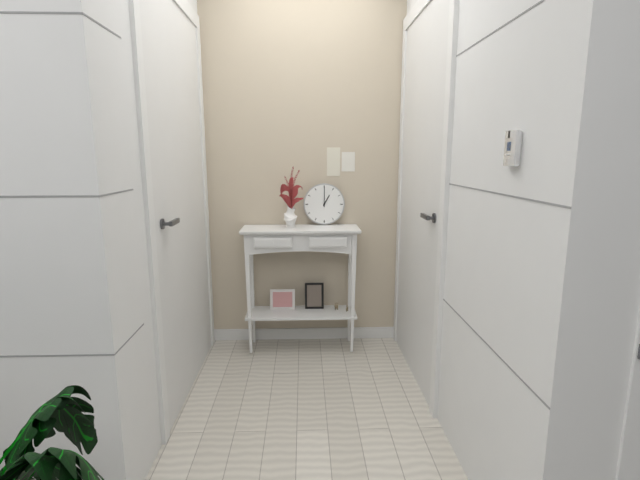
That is 1:00
